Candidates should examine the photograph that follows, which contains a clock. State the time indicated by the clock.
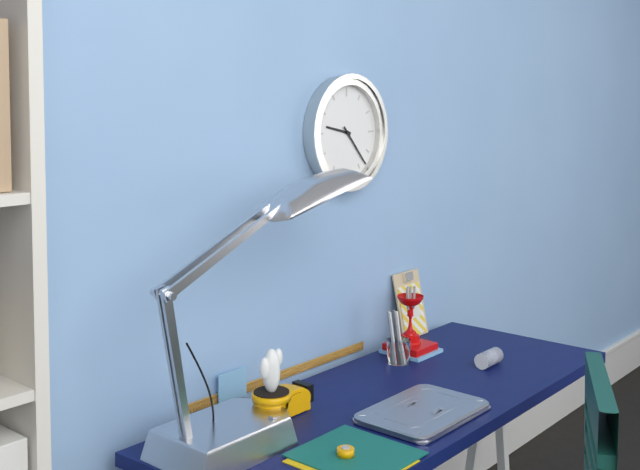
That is 9:23
